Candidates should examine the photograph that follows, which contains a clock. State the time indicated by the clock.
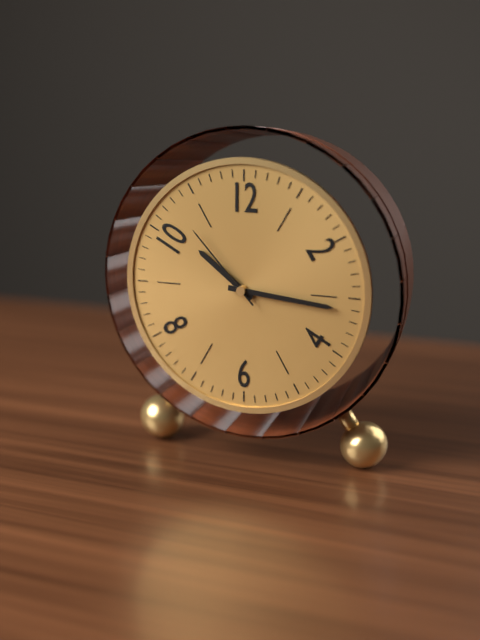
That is 10:16:53
